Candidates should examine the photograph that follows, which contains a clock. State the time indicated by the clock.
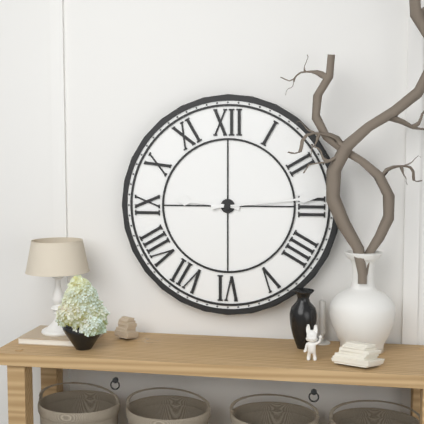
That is 9:14
